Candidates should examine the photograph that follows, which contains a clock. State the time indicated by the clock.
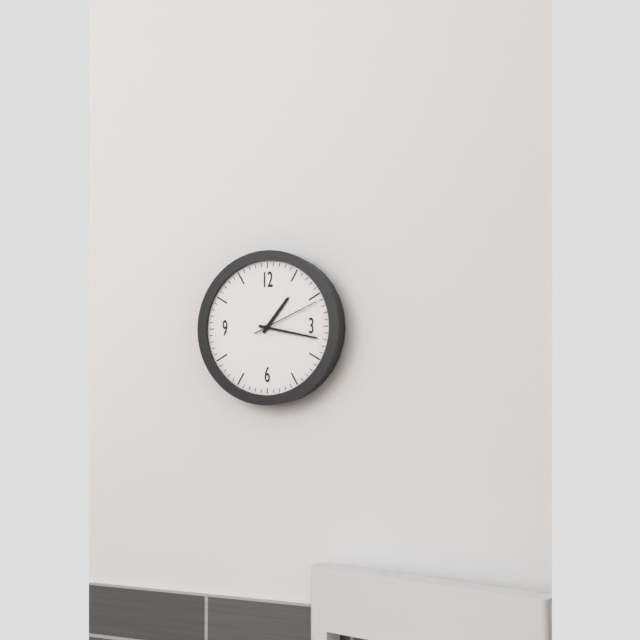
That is 1:17:11
